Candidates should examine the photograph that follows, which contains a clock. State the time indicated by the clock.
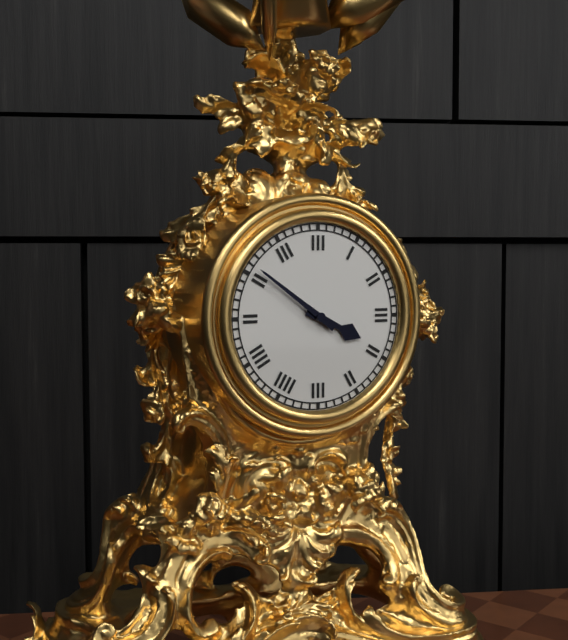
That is 3:51
